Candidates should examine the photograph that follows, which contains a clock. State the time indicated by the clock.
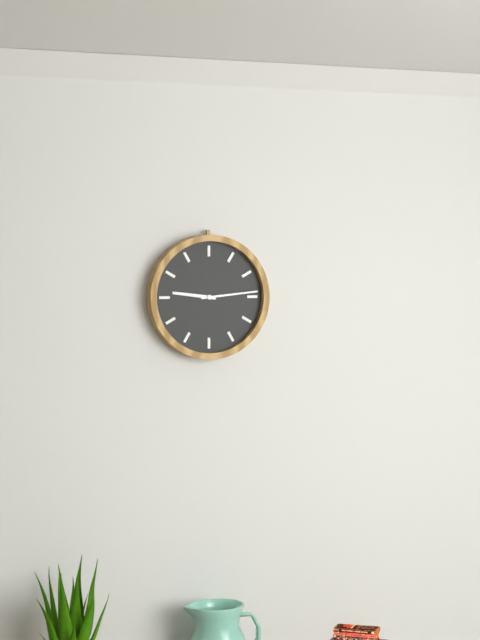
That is 9:14
